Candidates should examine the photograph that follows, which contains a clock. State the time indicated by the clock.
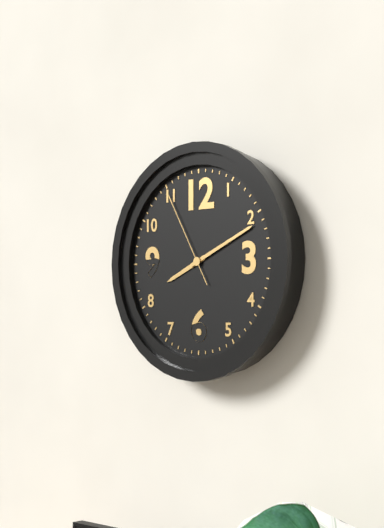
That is 8:11:55
